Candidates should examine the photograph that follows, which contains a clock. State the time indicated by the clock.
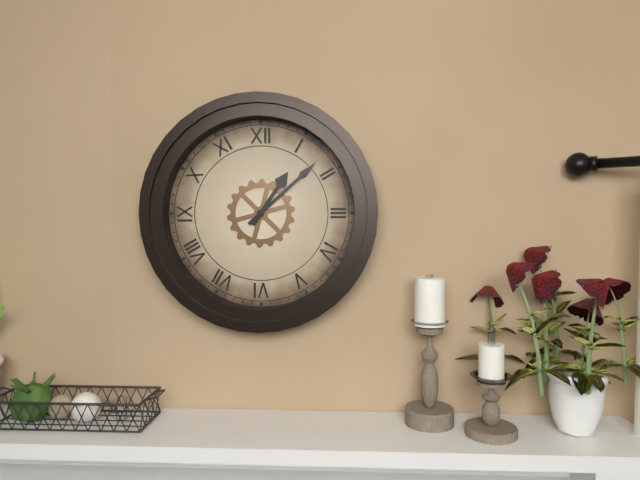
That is 1:08
